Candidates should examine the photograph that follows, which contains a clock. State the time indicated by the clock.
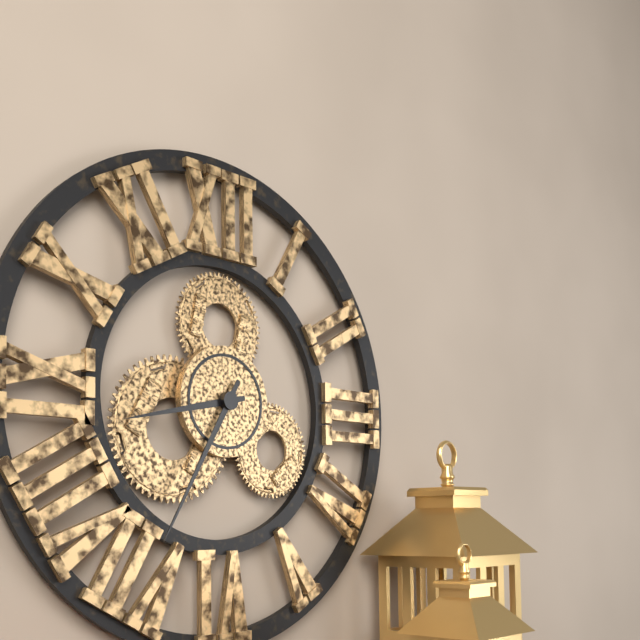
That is 8:35
